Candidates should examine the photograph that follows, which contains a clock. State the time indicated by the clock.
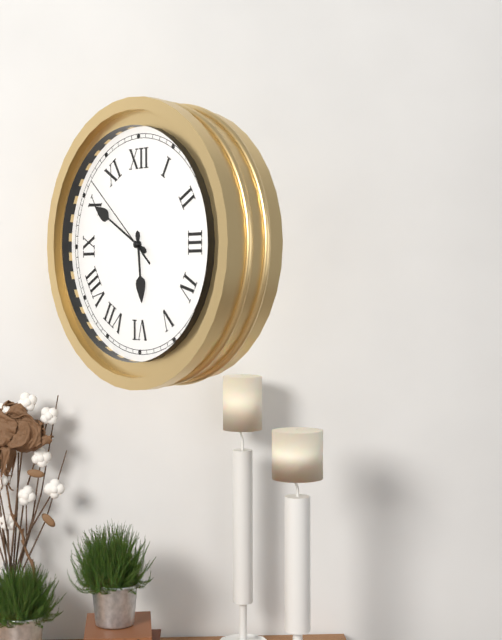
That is 5:50:52
